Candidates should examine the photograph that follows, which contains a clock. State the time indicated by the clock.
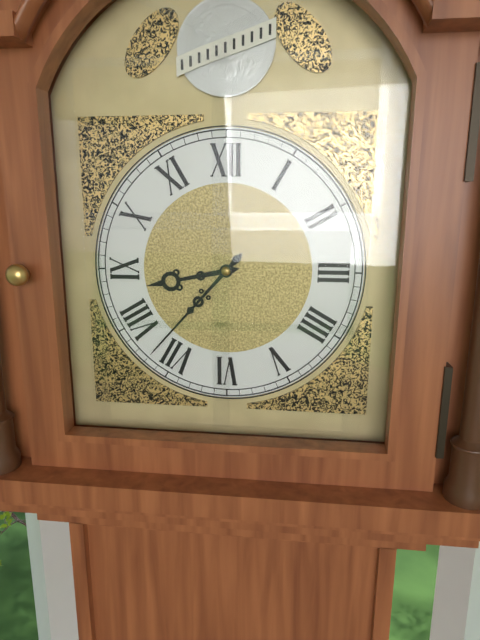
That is 8:37
